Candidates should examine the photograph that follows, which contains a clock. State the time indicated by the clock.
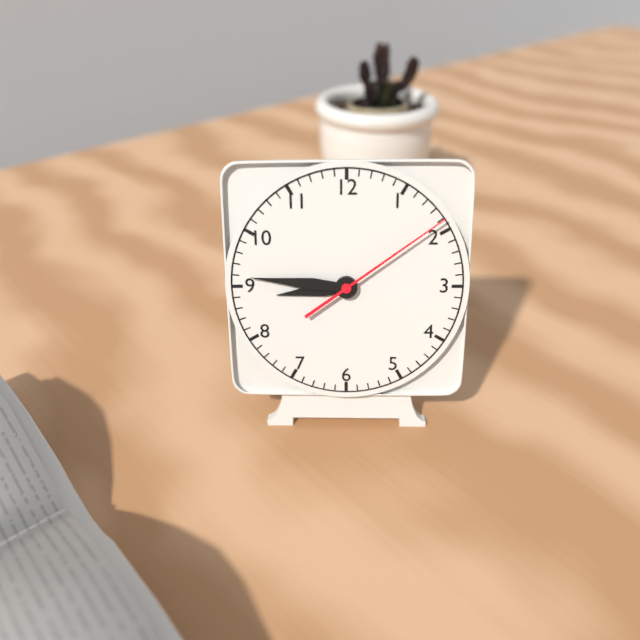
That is 8:46:09
